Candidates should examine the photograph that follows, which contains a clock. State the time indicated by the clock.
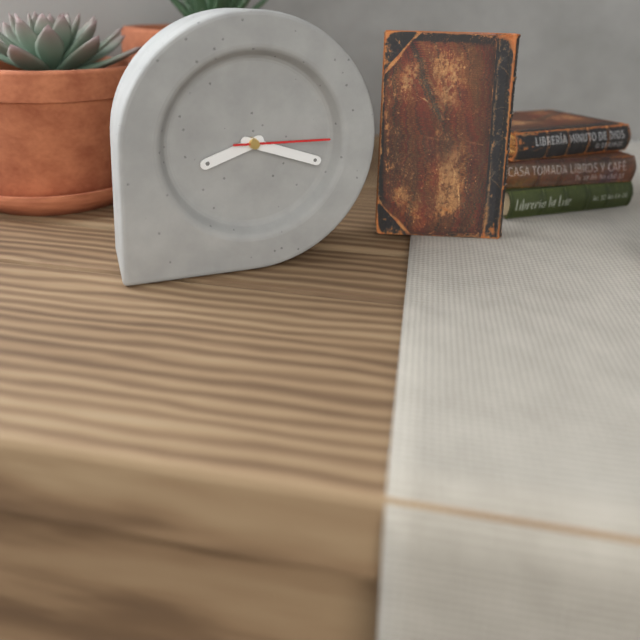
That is 8:18:15
